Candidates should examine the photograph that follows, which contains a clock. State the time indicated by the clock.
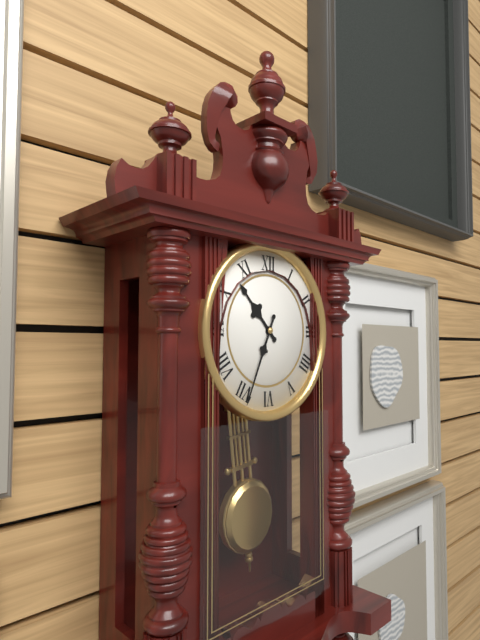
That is 10:34
